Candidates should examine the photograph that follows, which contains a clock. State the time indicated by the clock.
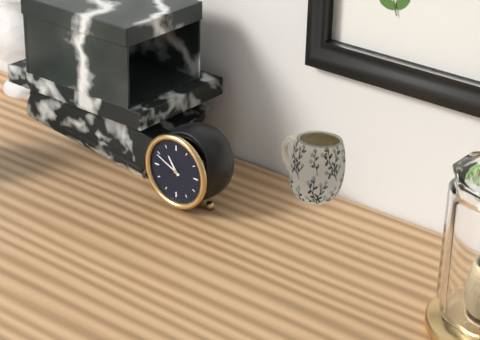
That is 10:49
